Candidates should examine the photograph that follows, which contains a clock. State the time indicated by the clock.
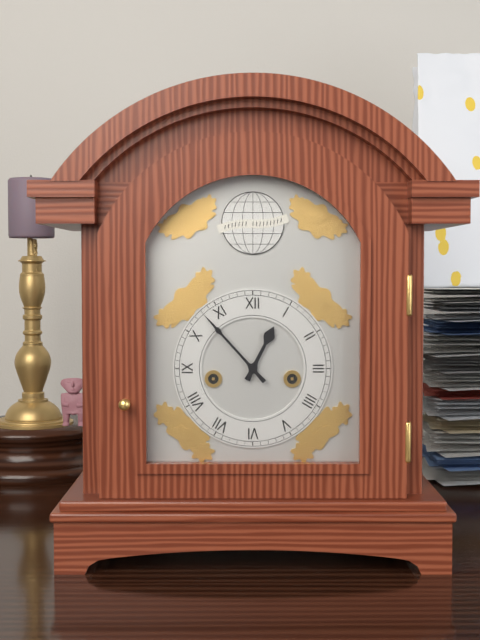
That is 12:53
